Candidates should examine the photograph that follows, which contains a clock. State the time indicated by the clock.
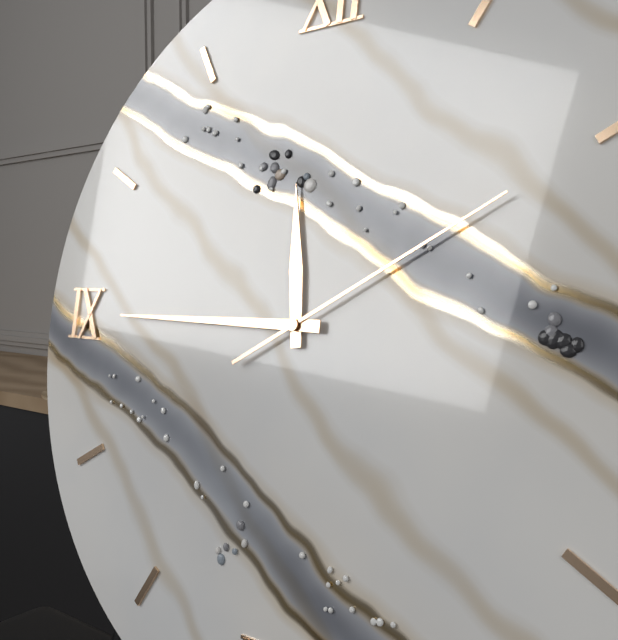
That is 11:45:10
